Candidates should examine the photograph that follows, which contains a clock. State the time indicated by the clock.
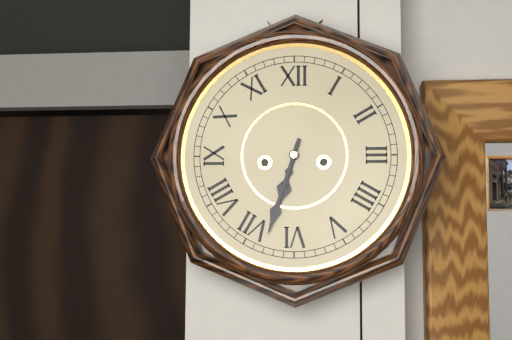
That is 6:33
